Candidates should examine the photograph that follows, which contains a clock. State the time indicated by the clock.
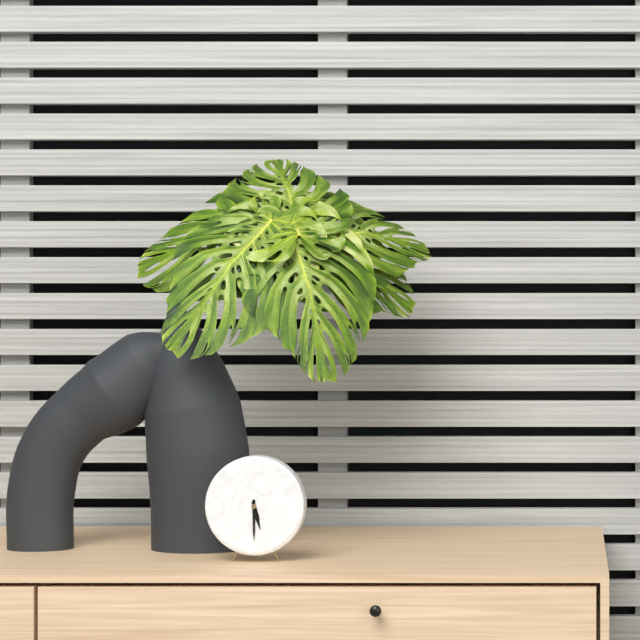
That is 5:30
